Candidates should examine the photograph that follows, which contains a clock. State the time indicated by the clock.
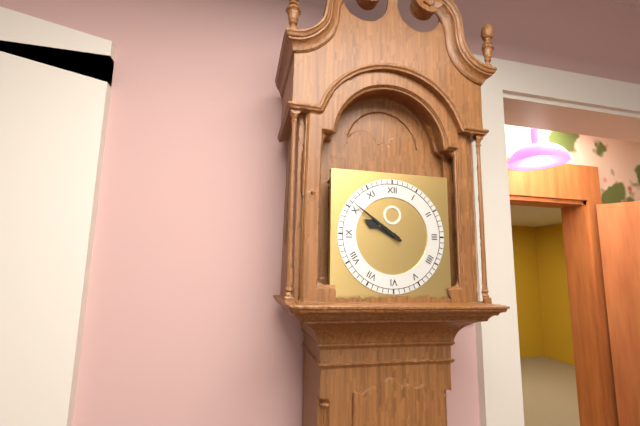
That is 9:51
